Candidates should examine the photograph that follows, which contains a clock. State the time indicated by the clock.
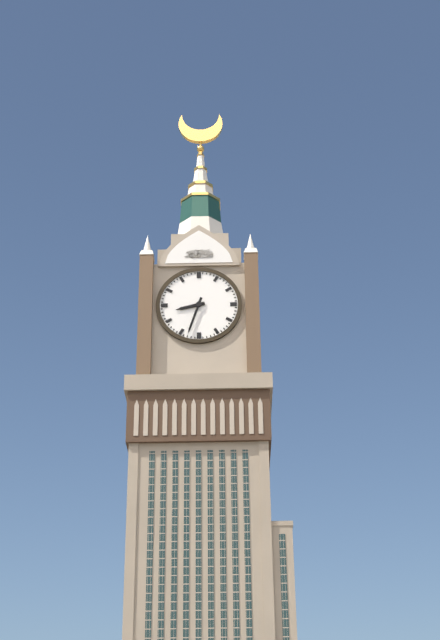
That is 8:33
